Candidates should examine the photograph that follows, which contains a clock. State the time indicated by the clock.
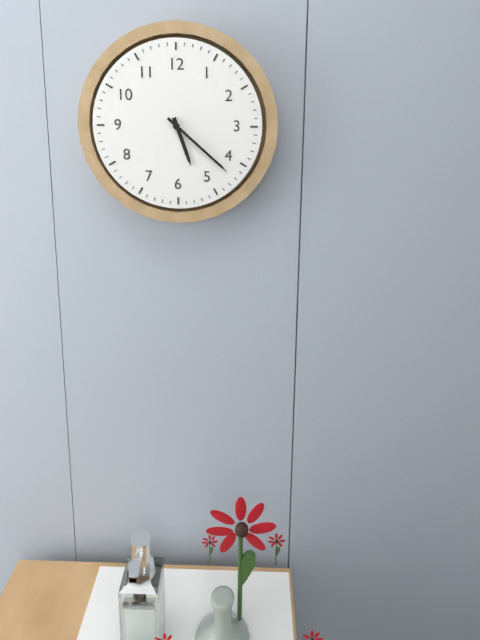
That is 5:22
